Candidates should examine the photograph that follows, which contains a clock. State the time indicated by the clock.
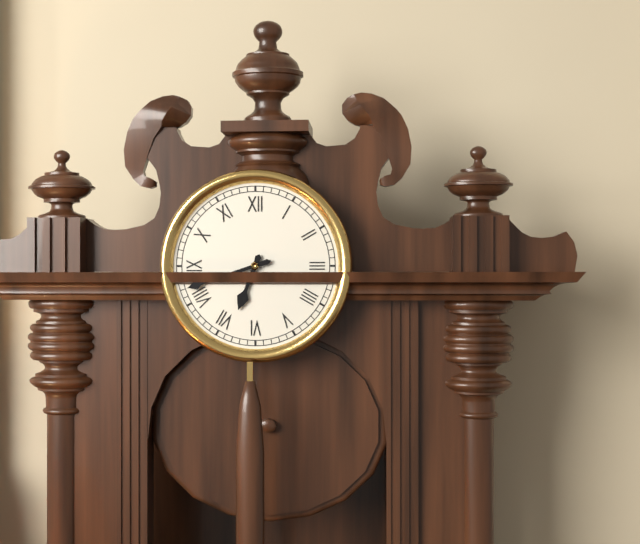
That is 6:42
